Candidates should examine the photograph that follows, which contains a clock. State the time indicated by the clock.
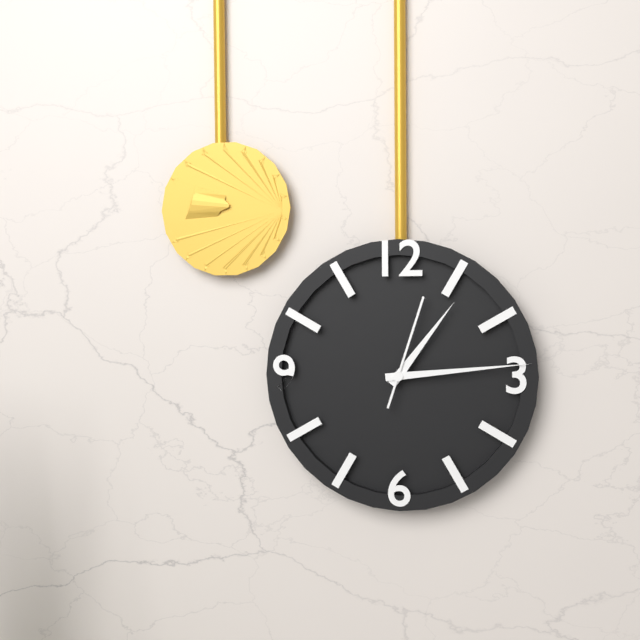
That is 1:14:03
